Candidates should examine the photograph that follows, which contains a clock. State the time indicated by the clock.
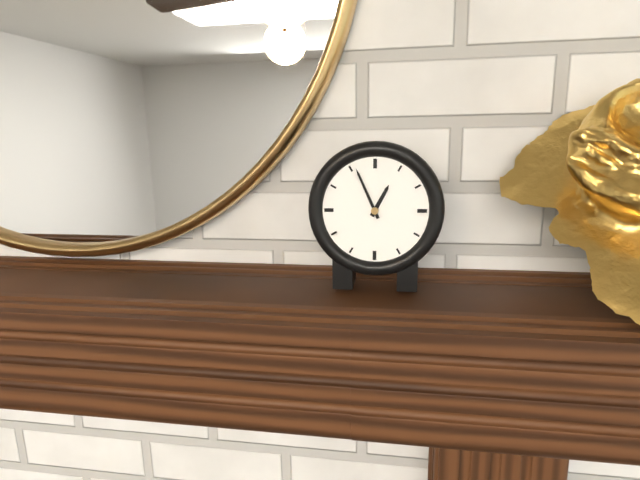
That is 12:56
